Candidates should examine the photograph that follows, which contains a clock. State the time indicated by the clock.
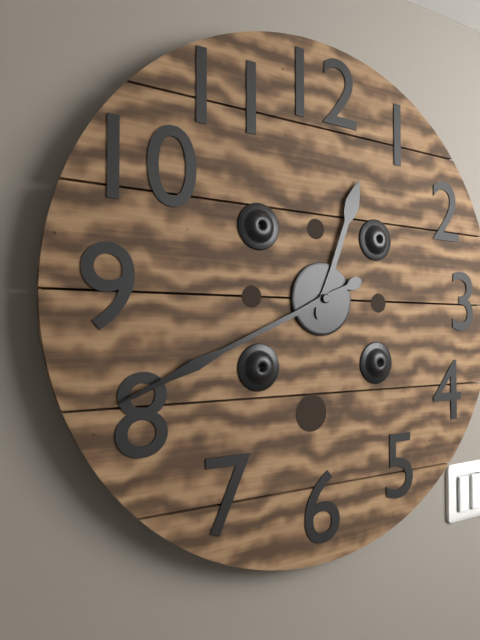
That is 12:41
